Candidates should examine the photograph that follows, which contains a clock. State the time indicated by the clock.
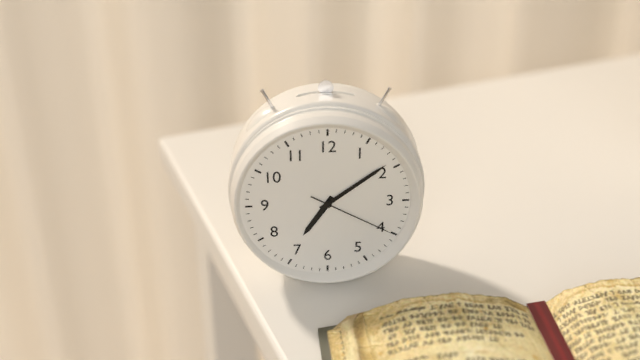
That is 7:09:20
